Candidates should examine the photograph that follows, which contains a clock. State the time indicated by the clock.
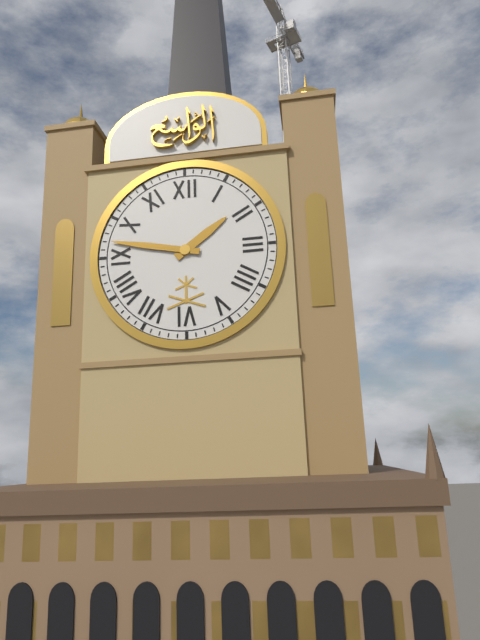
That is 1:47
